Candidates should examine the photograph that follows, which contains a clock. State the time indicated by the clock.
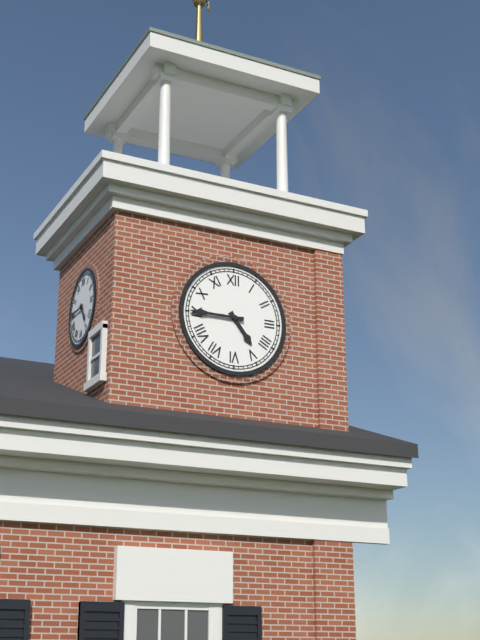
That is 4:45
